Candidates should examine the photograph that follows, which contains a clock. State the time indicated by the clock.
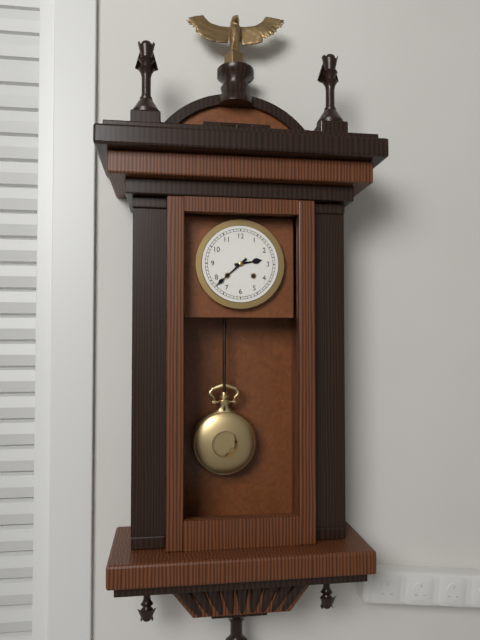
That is 2:38
